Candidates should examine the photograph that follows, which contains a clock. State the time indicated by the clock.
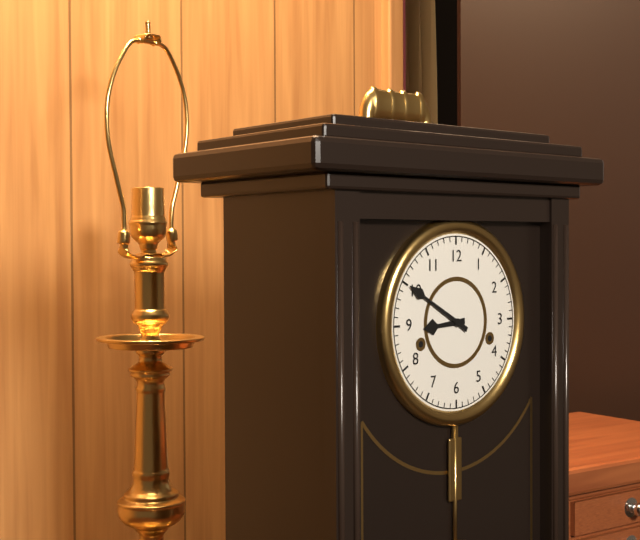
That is 8:50
